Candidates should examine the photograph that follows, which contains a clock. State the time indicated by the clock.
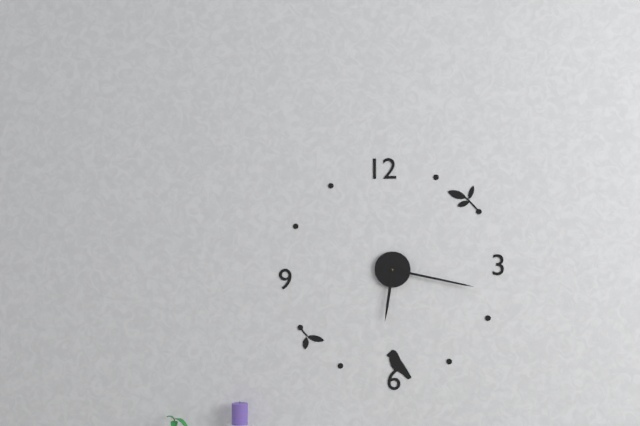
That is 6:17
